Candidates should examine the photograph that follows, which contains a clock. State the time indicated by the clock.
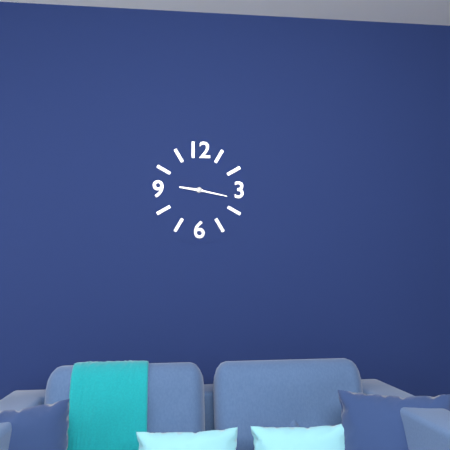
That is 9:17
